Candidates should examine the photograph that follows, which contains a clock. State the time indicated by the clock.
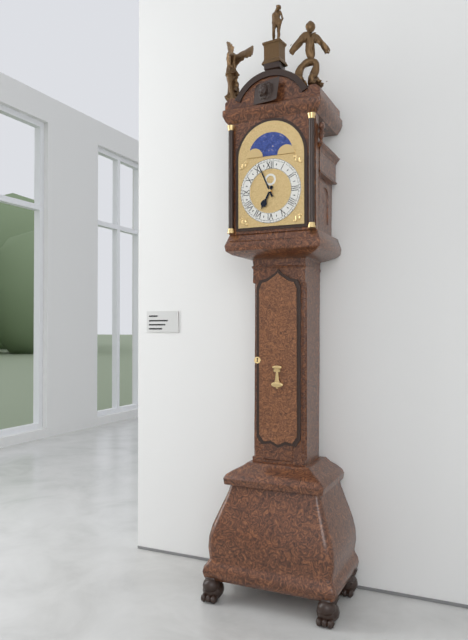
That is 6:56
